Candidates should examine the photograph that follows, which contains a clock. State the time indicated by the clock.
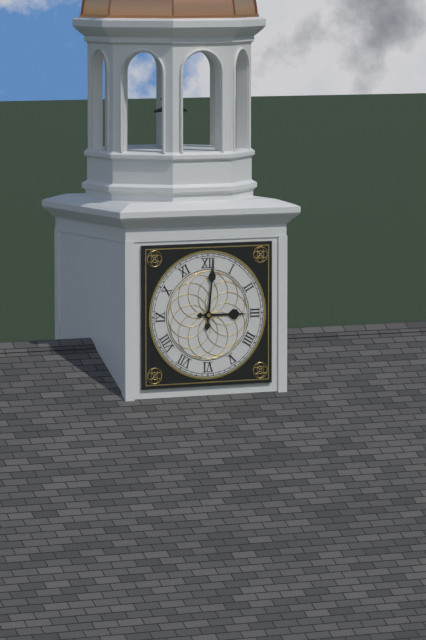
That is 3:01
